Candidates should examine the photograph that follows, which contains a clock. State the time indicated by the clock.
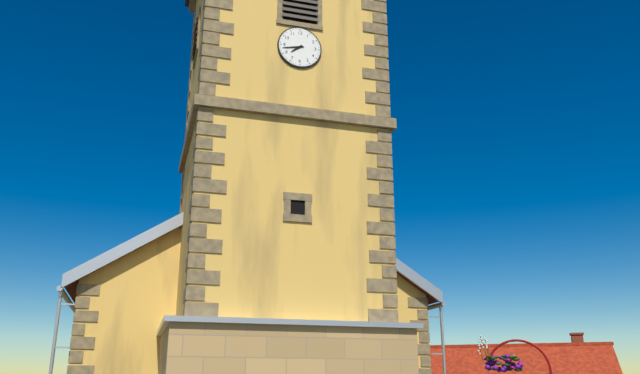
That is 7:43
